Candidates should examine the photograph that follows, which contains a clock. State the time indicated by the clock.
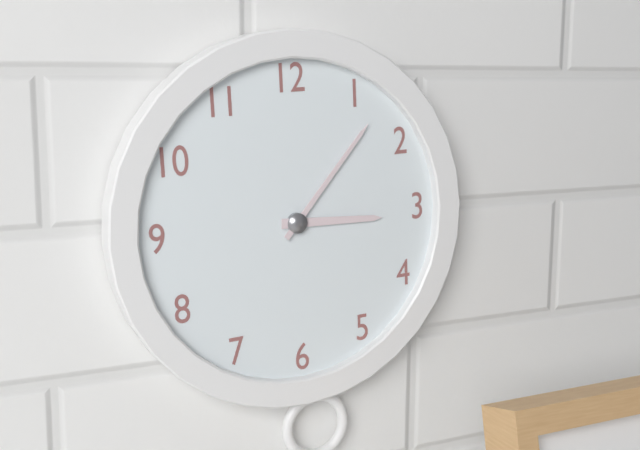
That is 3:07
